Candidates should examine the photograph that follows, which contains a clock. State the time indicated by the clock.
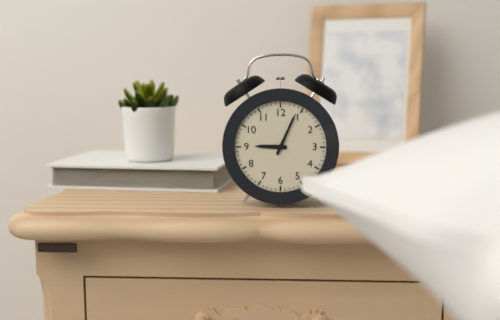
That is 9:04
